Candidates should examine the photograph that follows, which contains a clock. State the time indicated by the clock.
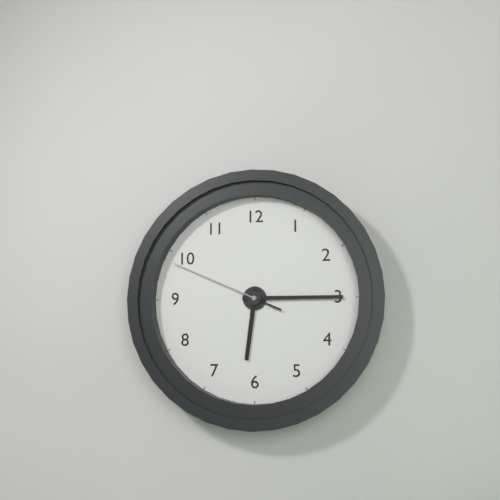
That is 6:15:49
